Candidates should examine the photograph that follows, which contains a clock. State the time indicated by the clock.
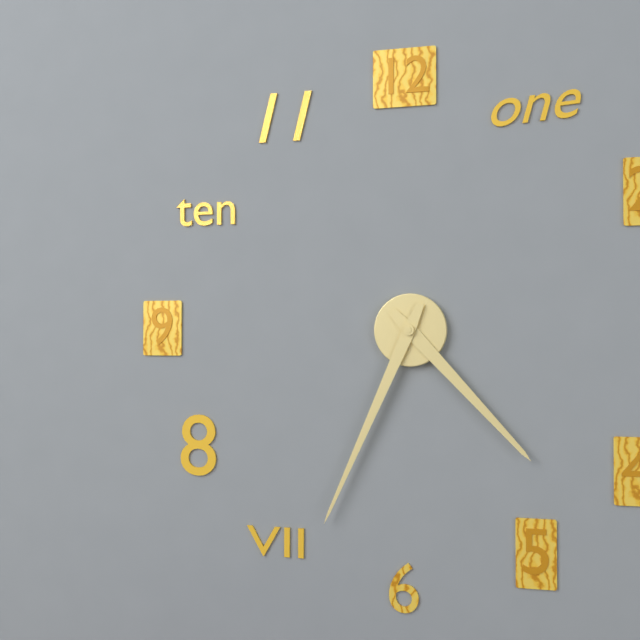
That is 4:34
